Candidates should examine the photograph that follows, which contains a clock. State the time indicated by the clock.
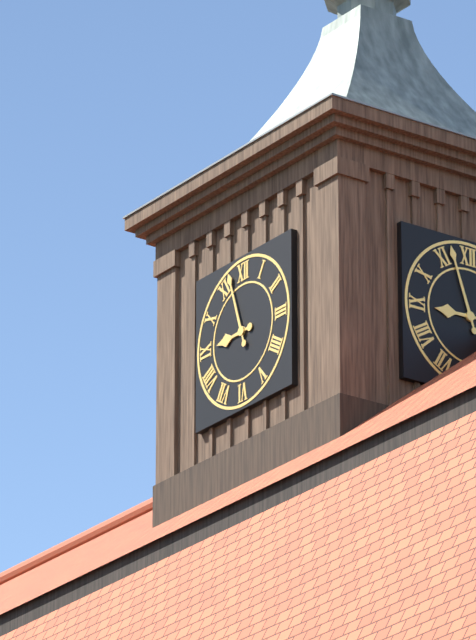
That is 8:57
